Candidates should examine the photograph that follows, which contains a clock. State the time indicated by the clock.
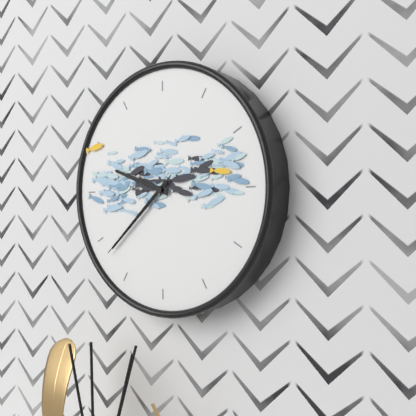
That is 9:38:38
